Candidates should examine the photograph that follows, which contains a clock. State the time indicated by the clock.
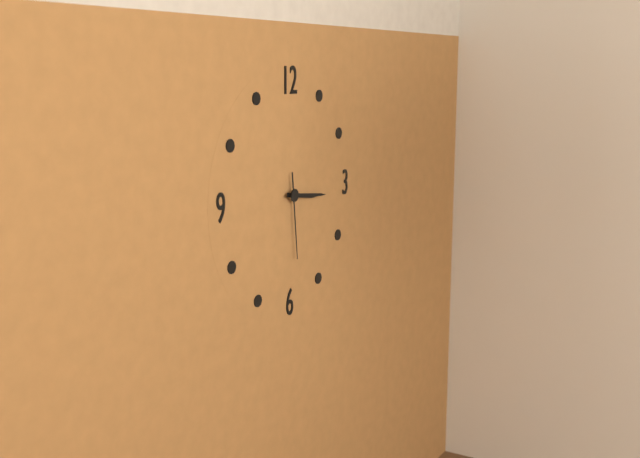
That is 3:16:29
